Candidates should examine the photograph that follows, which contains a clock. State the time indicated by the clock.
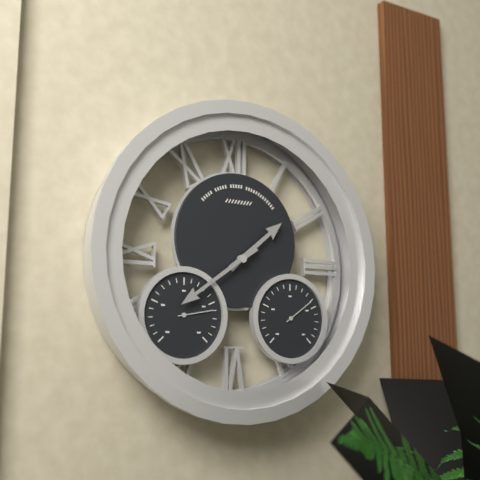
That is 1:39
